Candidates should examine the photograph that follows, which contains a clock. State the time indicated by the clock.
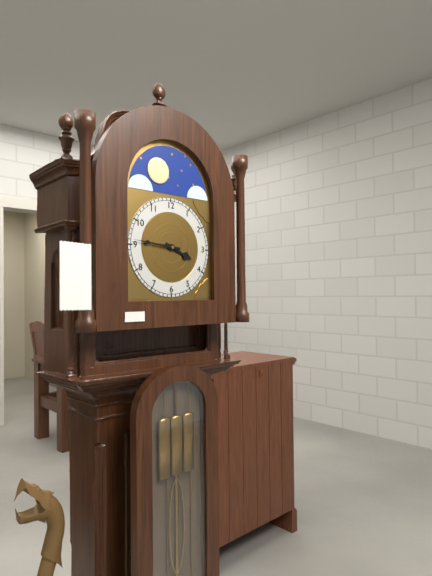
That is 3:46
